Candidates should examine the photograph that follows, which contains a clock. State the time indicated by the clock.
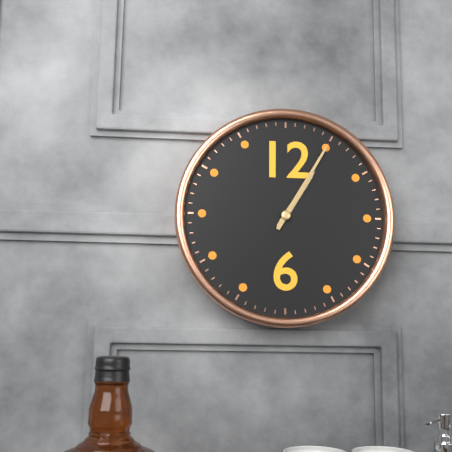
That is 1:05
